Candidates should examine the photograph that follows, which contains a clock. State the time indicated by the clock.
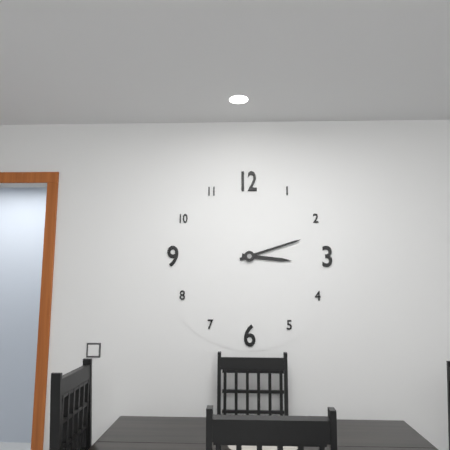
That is 3:12
